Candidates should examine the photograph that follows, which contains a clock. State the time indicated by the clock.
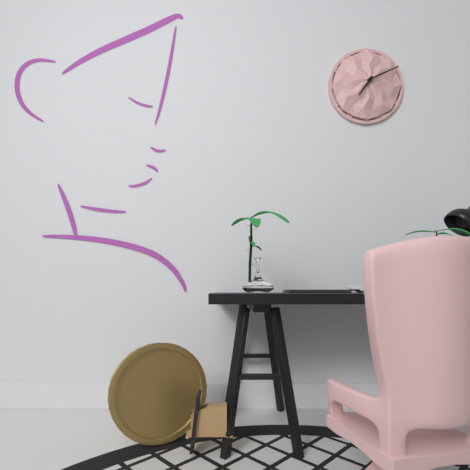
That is 7:11
